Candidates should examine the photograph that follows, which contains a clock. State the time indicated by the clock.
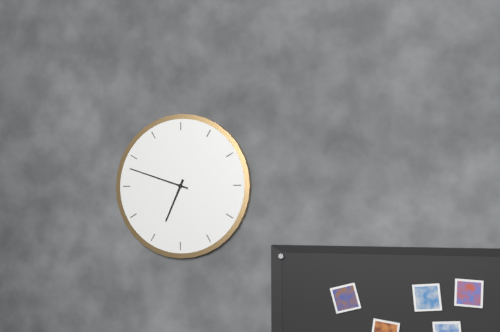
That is 6:48
